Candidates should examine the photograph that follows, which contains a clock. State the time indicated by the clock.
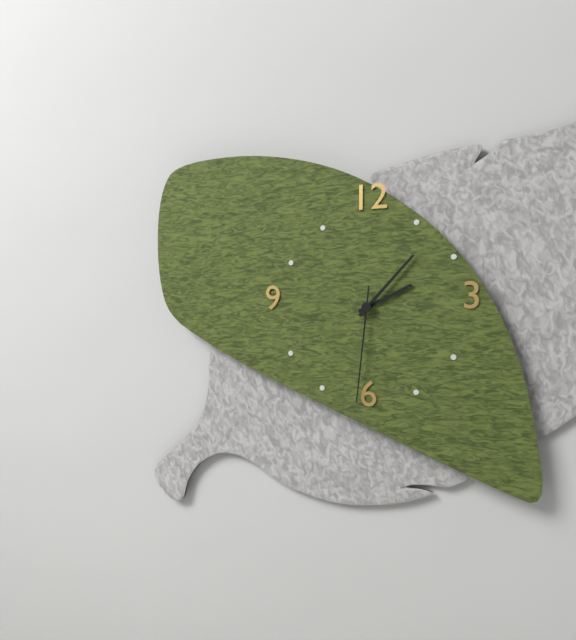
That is 2:07:31
